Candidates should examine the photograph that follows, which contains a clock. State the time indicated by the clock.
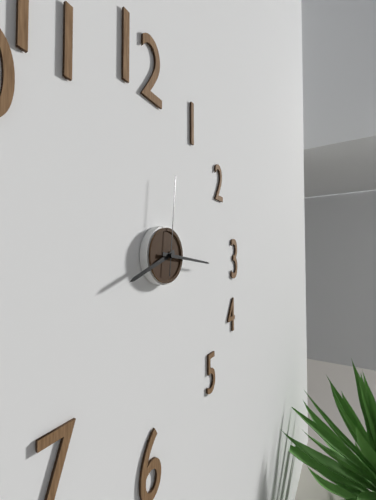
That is 8:16:01
